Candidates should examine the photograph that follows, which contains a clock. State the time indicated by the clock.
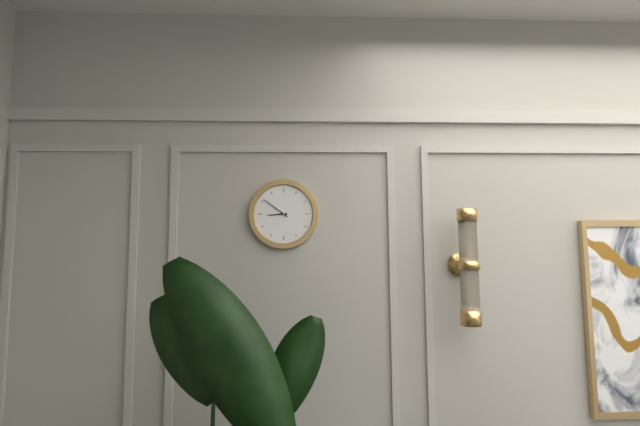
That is 8:51
